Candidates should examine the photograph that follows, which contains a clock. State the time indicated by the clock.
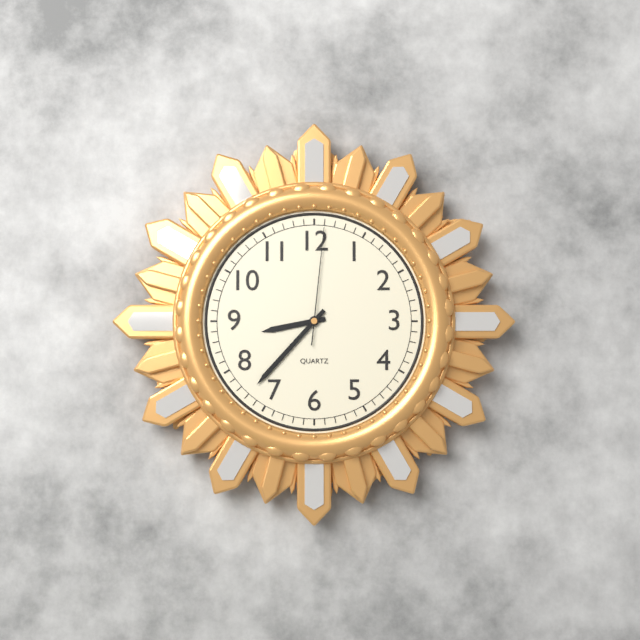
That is 8:37:01
